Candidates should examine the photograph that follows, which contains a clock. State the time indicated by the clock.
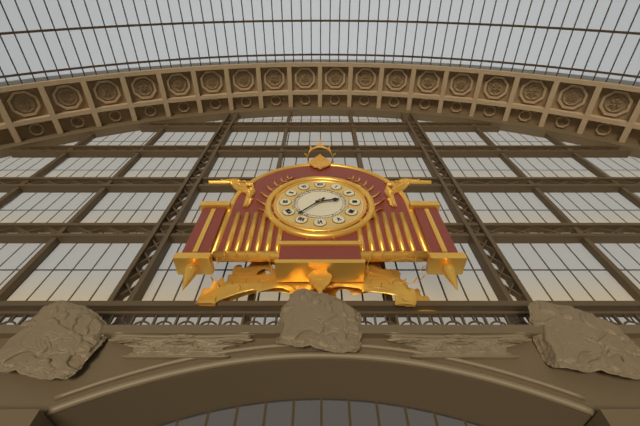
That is 2:37
